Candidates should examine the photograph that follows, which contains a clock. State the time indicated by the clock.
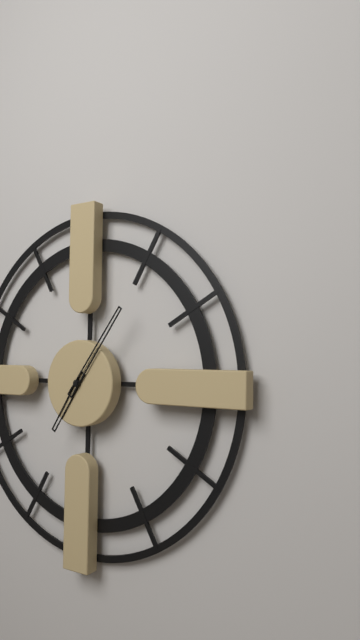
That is 7:06
